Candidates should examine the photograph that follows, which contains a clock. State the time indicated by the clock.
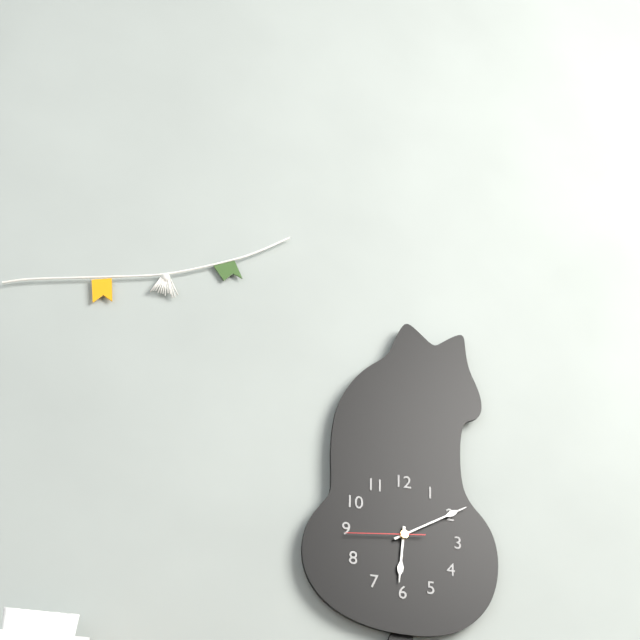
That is 6:10:44
